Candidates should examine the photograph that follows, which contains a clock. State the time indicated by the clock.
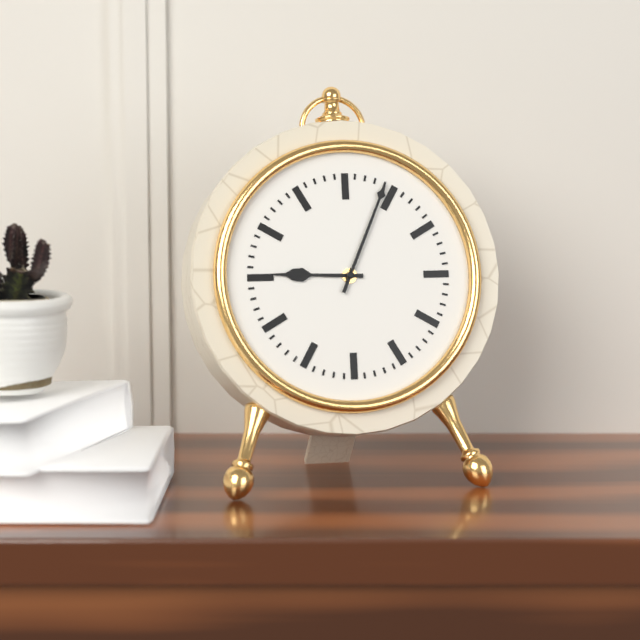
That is 9:04
